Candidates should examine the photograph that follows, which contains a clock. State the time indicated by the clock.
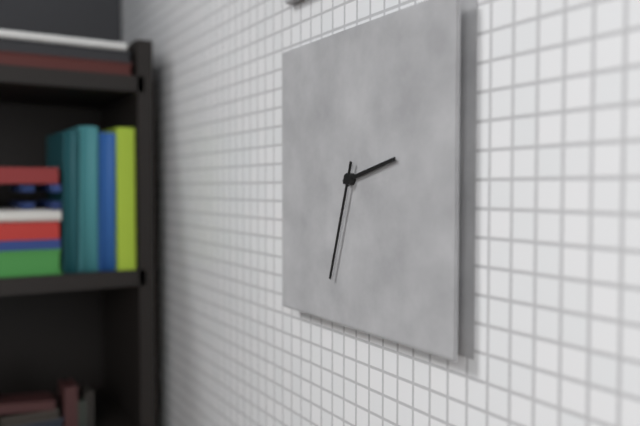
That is 2:33
